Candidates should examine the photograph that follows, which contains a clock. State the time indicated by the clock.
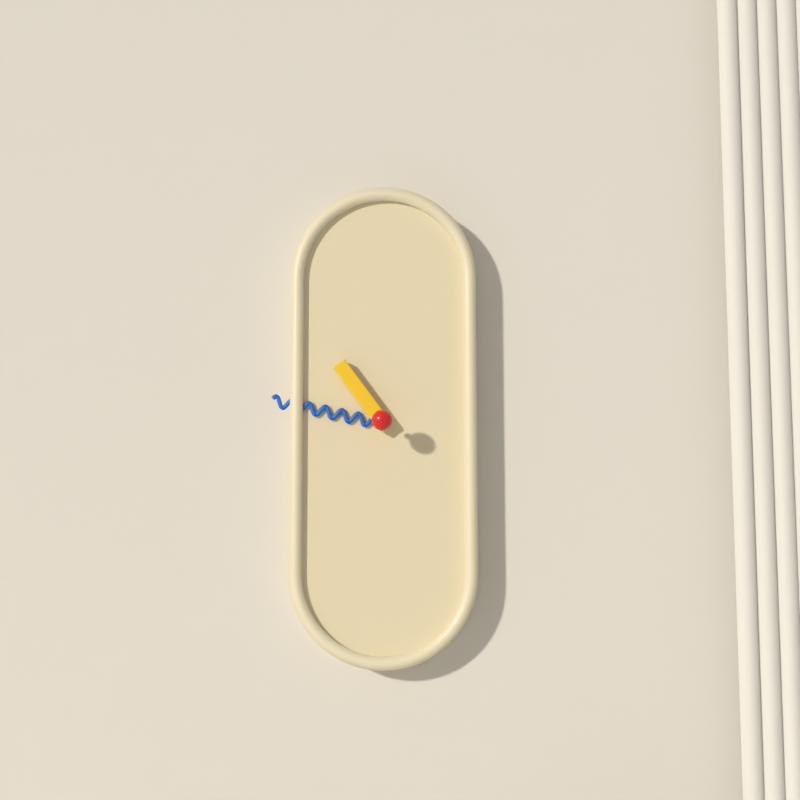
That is 10:47
